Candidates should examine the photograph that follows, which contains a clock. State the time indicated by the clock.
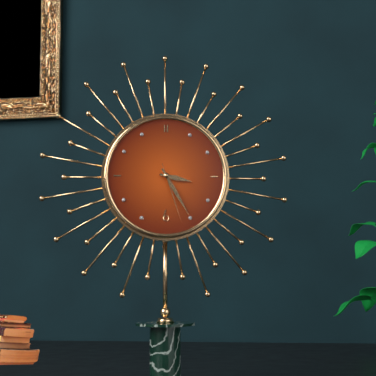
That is 3:25:27
